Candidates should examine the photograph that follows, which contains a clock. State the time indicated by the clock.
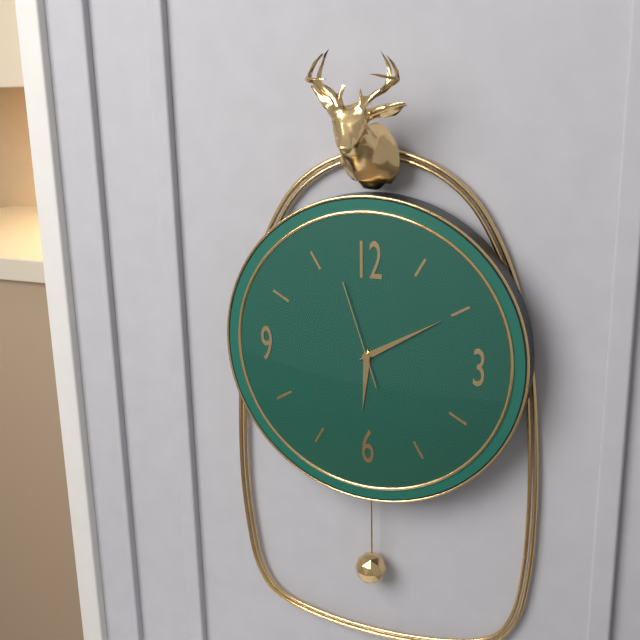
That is 6:10:57
